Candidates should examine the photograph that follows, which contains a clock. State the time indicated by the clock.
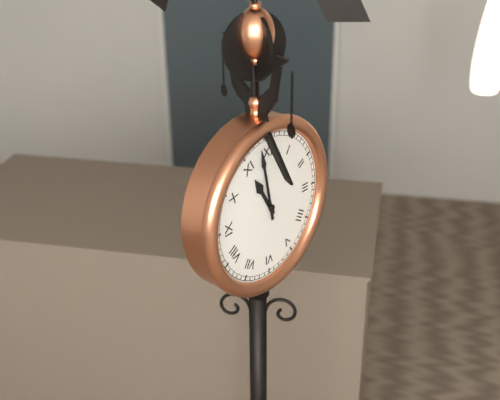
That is 10:58
